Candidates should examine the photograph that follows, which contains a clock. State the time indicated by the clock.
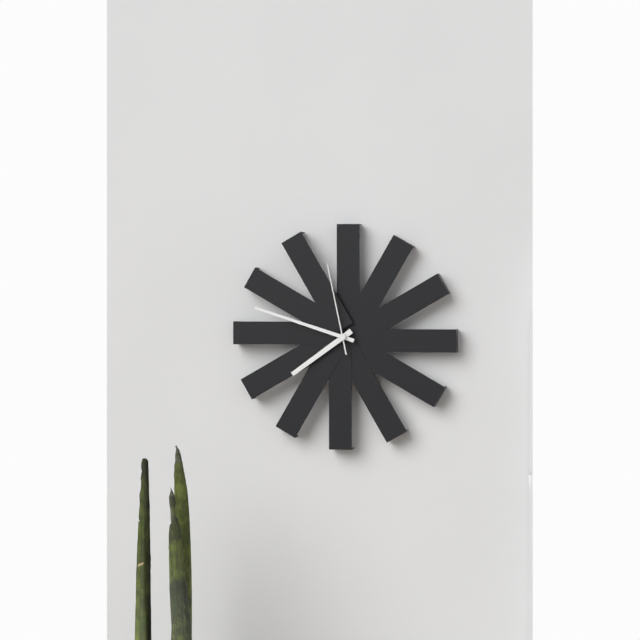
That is 7:48:58
